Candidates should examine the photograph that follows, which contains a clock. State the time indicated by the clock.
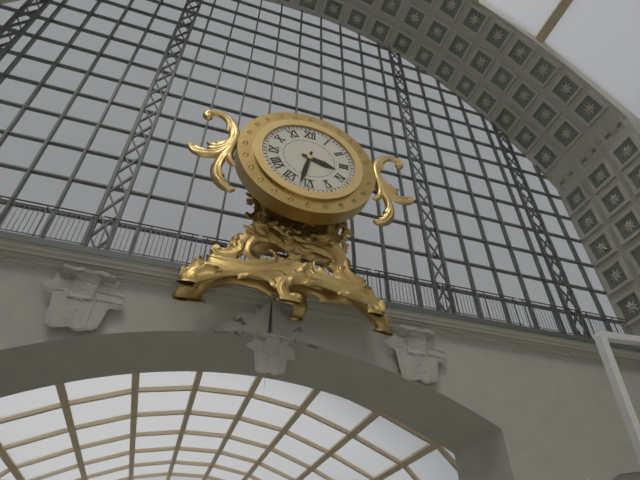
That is 3:32
